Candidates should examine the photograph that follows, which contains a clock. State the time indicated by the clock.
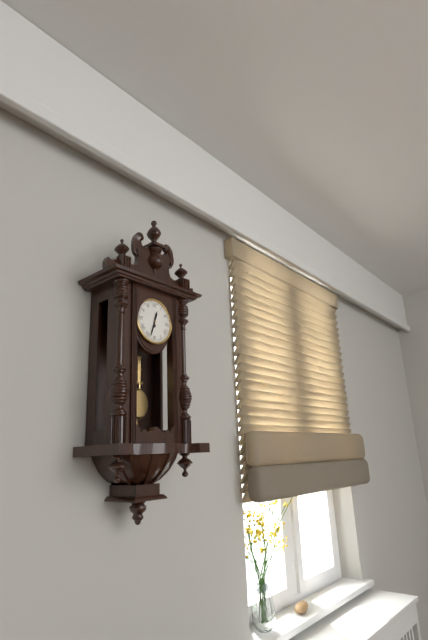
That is 12:33
